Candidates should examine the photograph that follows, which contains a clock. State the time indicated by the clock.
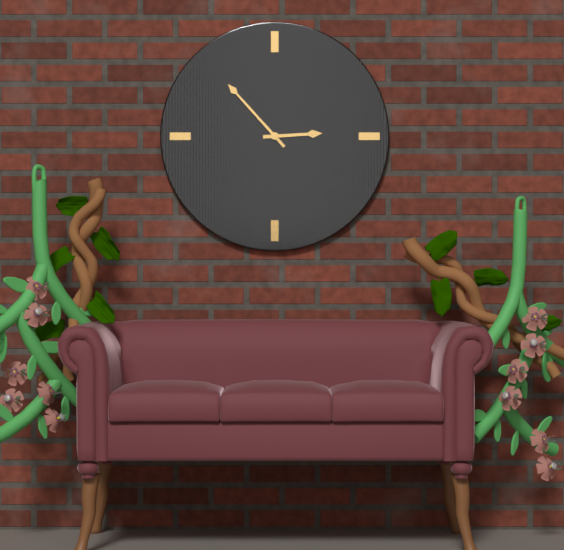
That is 2:53
